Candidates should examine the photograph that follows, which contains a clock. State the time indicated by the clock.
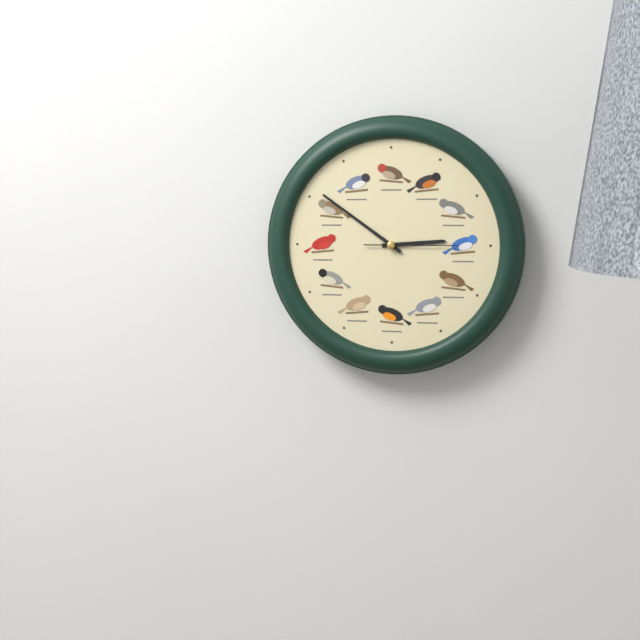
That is 2:51:15
